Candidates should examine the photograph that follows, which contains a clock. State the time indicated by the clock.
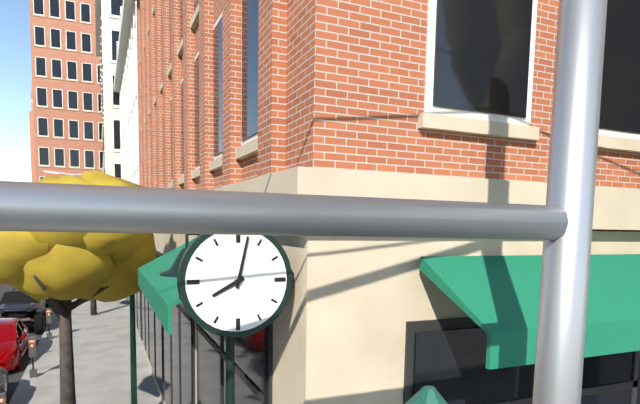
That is 8:02
